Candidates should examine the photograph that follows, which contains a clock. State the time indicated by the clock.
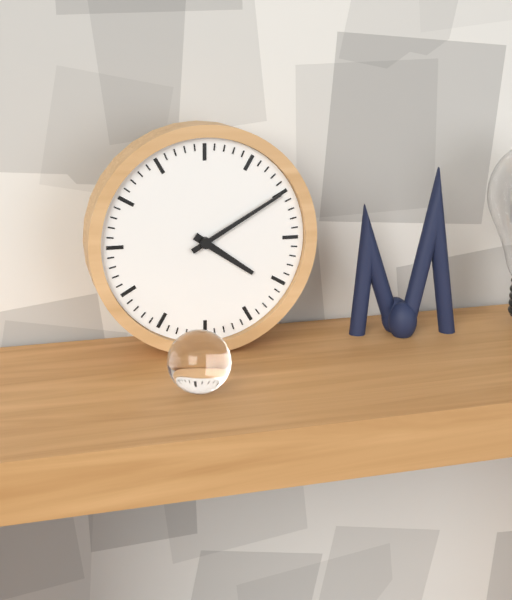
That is 4:10
